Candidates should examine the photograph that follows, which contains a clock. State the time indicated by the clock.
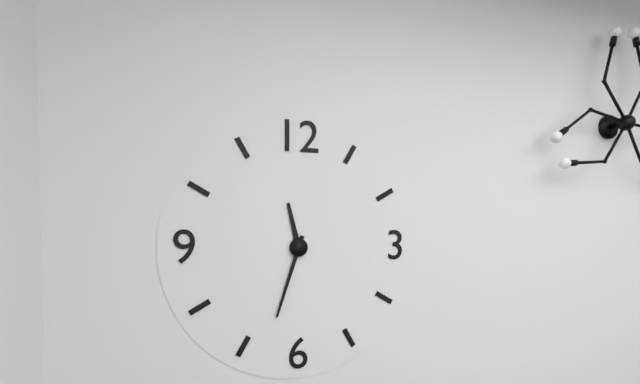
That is 11:33
